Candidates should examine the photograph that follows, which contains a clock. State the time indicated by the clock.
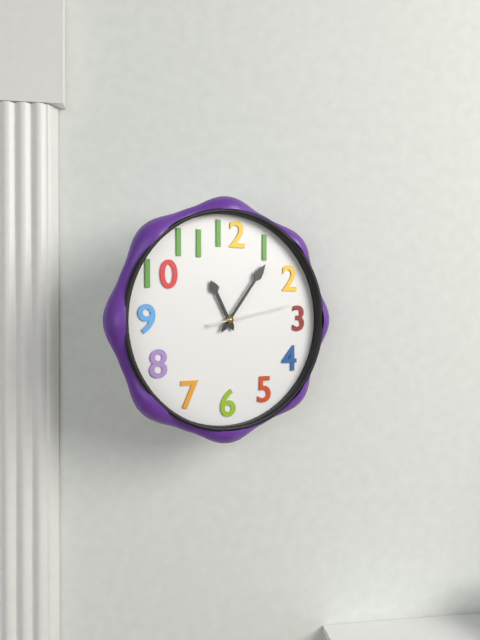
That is 11:06:13
